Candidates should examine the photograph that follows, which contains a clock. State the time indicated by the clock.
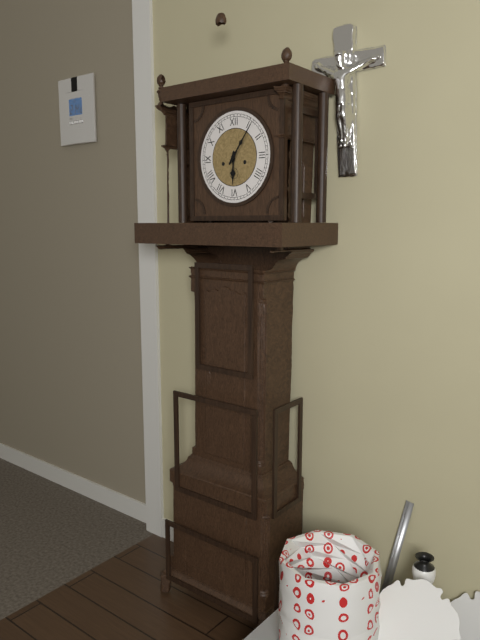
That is 6:06
